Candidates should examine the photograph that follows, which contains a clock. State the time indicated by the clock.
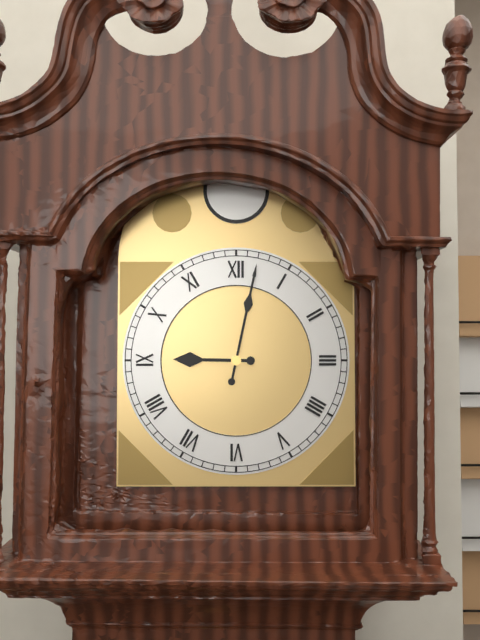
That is 9:02
